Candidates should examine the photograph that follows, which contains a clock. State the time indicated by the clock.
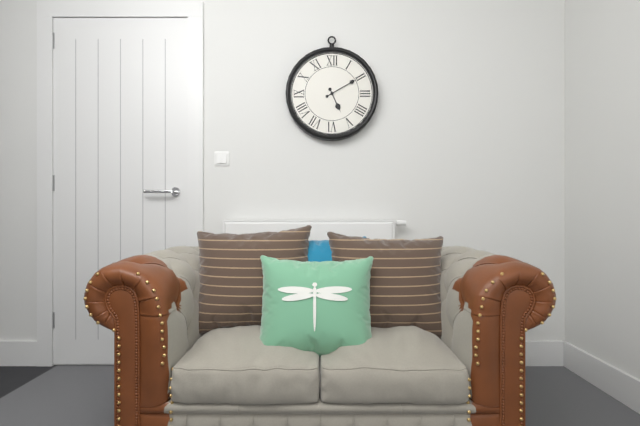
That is 5:10
